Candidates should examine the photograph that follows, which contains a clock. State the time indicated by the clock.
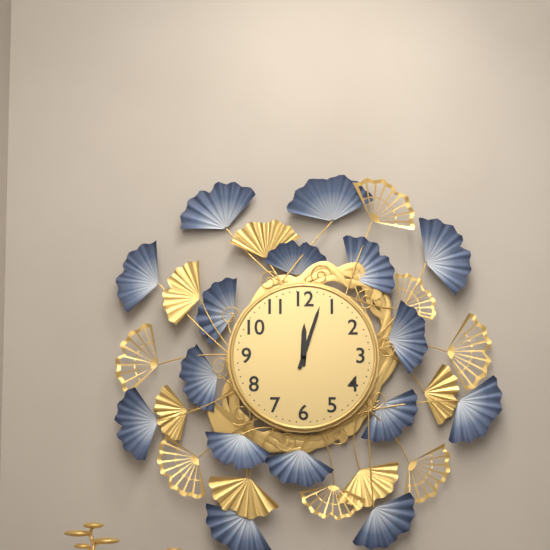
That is 12:03
